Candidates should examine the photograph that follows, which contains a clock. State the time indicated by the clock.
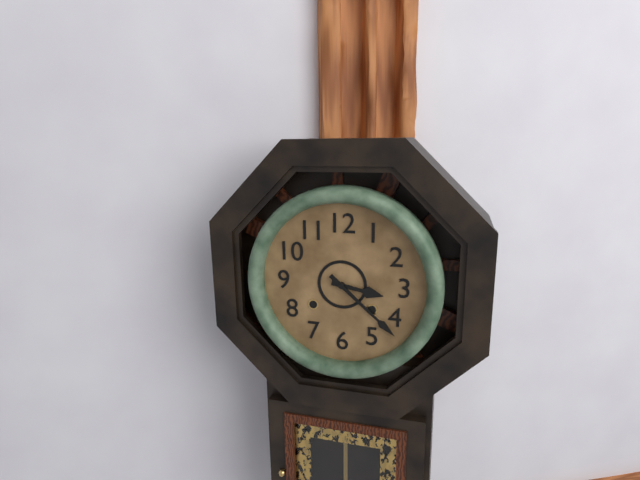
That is 3:22
